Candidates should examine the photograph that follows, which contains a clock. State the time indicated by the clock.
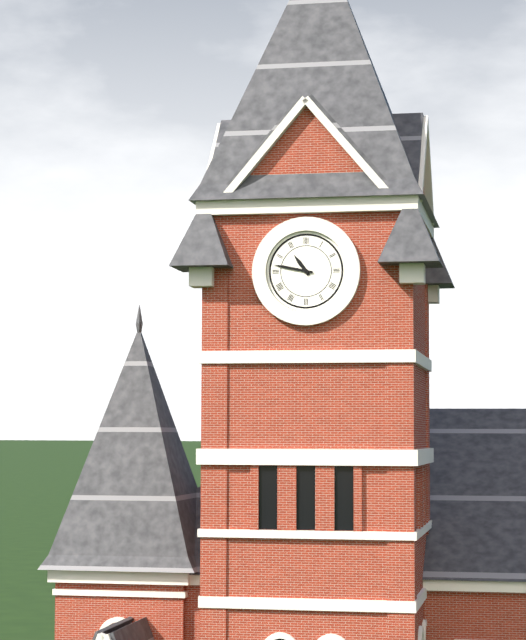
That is 10:47
